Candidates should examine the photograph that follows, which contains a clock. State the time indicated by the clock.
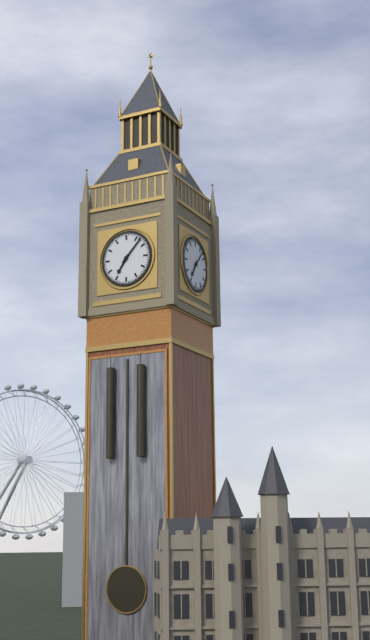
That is 7:07
